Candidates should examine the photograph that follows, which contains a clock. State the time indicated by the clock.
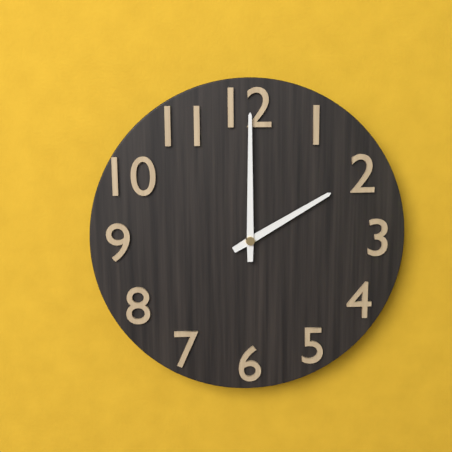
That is 2:00
